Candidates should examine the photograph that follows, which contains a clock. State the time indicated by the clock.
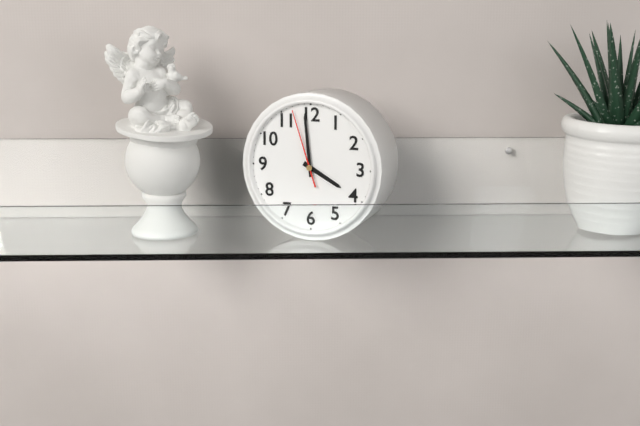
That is 3:59:57
